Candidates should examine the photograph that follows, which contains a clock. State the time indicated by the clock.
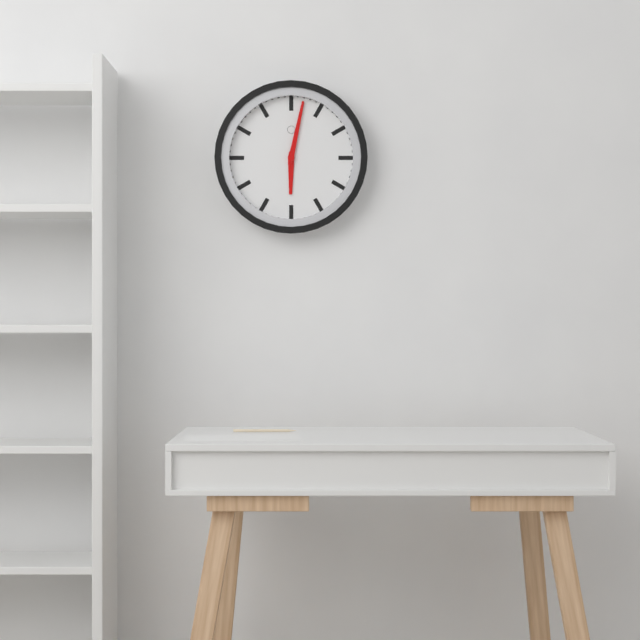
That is 6:02
